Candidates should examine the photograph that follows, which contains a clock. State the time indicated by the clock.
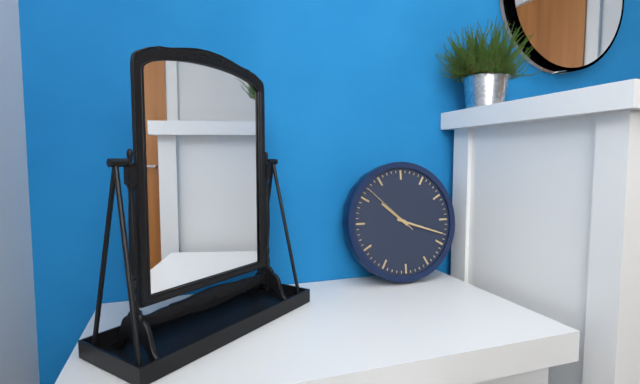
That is 10:18:52
